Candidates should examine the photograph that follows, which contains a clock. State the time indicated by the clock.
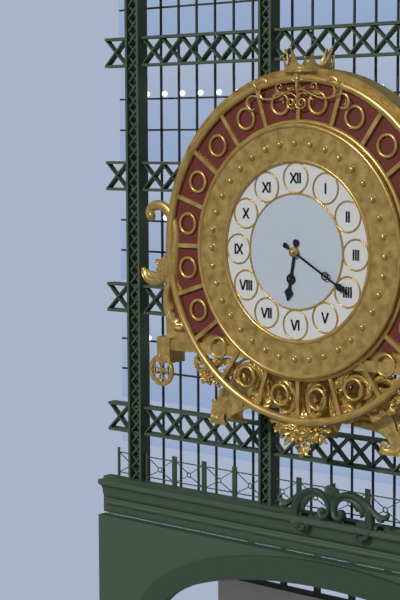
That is 6:20
